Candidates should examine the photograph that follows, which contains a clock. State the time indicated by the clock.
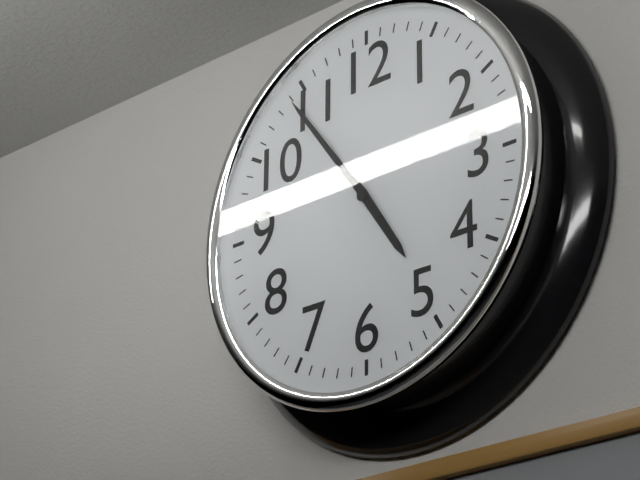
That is 4:54
